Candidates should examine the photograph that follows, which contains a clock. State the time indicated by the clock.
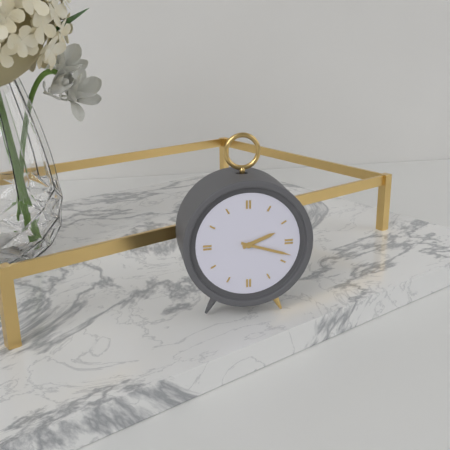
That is 2:18
